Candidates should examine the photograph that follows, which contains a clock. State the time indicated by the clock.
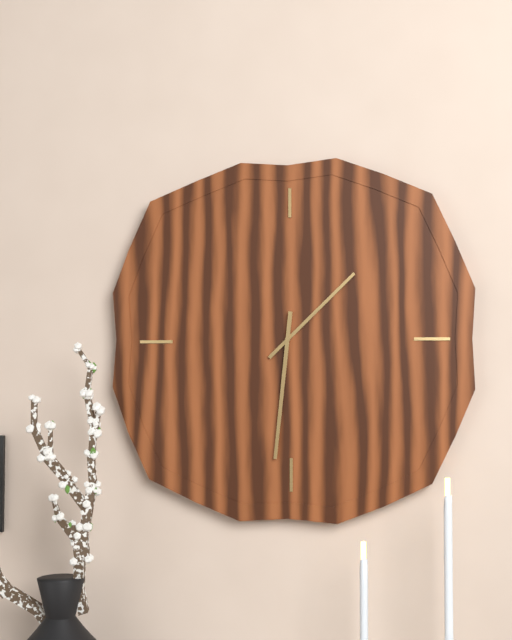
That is 1:31
